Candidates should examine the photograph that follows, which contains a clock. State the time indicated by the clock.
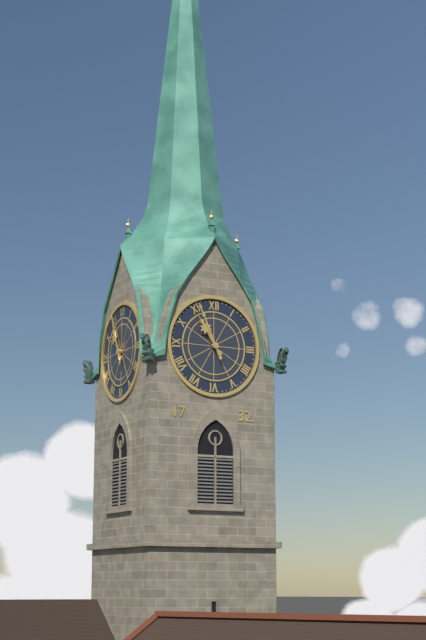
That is 10:56
